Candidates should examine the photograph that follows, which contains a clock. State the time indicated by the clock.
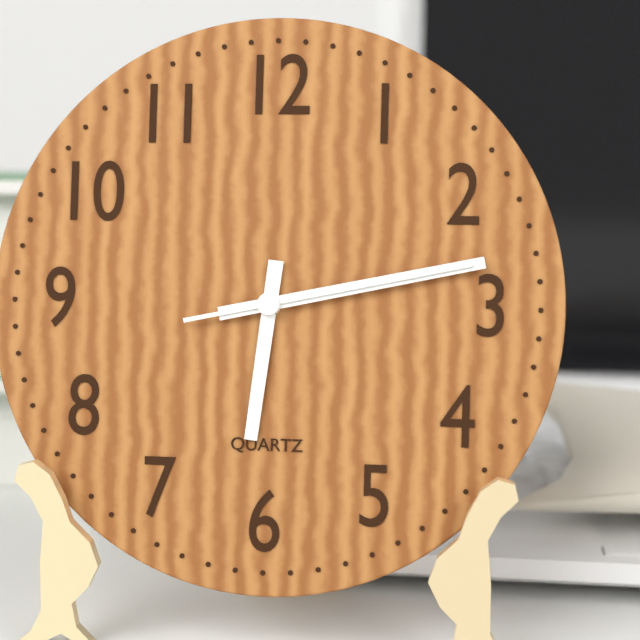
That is 6:13:13
